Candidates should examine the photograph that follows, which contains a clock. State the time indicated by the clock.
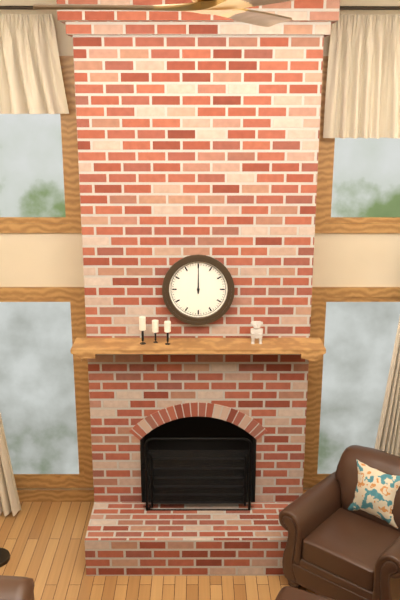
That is 12:00
